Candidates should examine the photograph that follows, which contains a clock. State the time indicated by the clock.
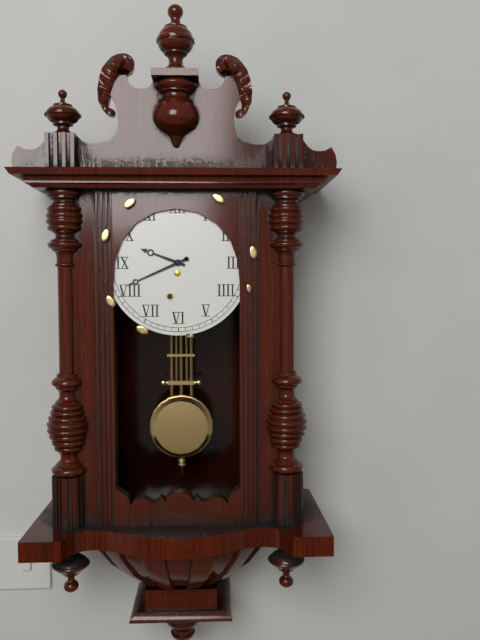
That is 9:41
